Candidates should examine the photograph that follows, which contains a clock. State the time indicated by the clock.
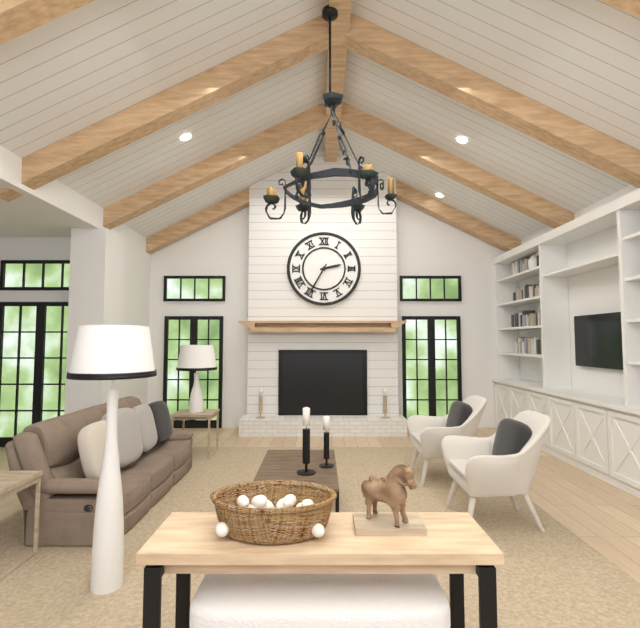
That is 2:35
